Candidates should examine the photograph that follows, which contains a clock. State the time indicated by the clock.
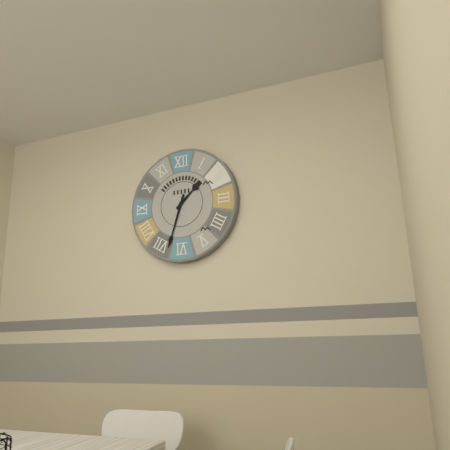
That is 1:33
